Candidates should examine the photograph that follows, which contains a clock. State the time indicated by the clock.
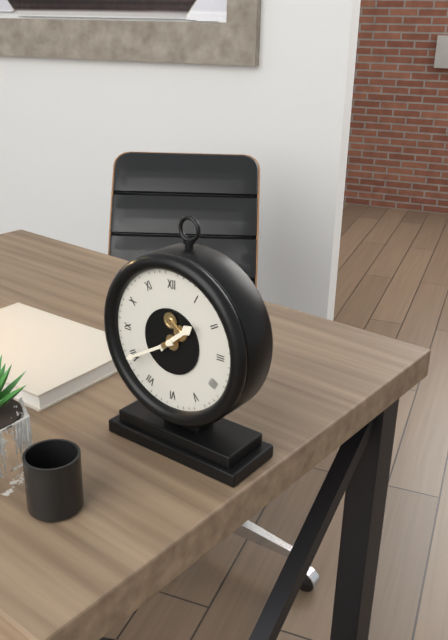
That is 1:40
